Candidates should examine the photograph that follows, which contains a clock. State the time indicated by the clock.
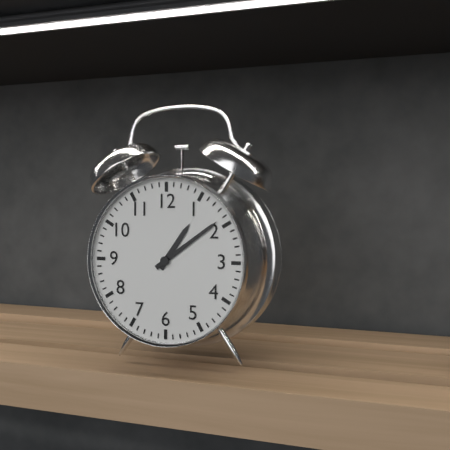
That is 1:09
